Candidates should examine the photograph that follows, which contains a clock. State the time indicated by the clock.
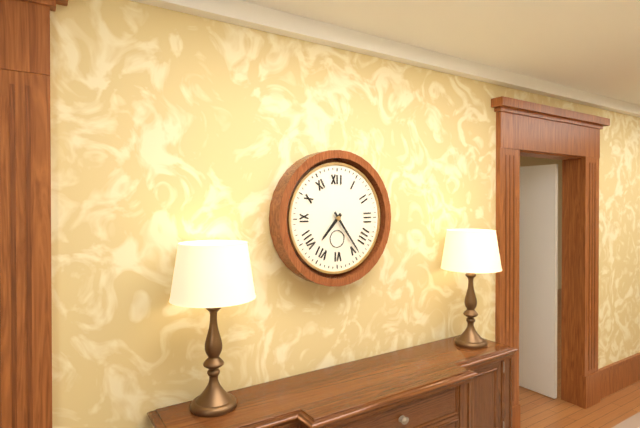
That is 7:24
